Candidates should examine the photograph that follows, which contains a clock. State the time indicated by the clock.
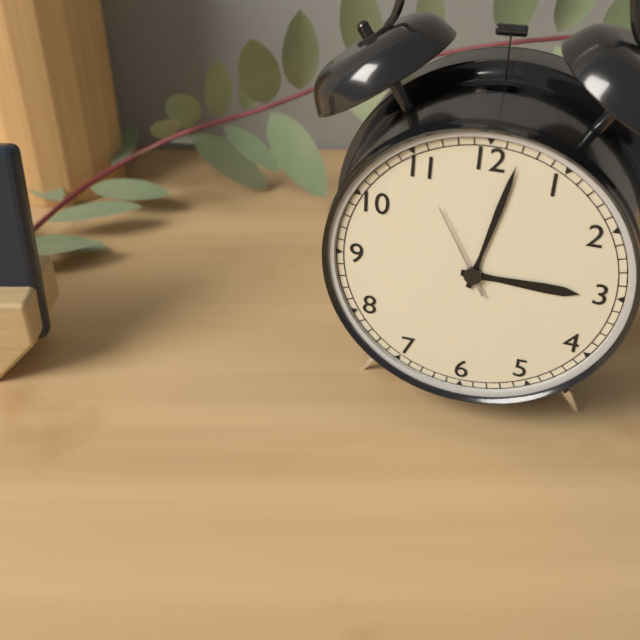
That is 3:02:55
